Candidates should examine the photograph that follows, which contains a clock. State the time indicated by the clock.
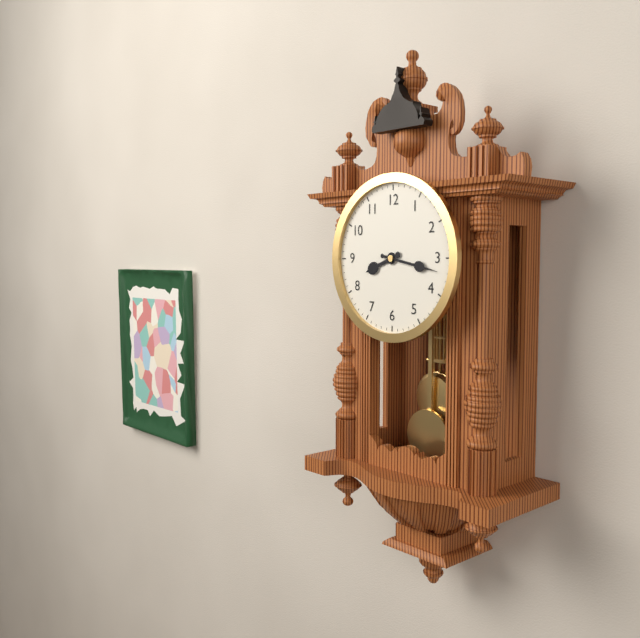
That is 8:17
